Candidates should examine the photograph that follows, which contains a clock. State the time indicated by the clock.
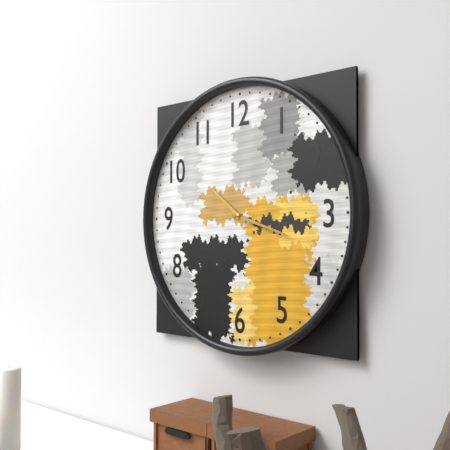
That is 10:18
